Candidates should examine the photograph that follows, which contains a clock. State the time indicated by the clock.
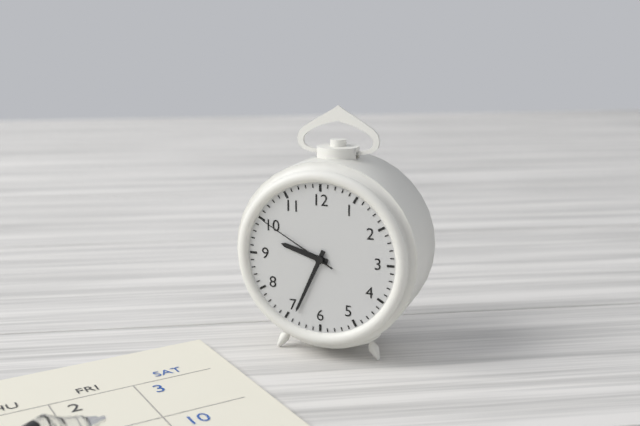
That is 9:34:50
